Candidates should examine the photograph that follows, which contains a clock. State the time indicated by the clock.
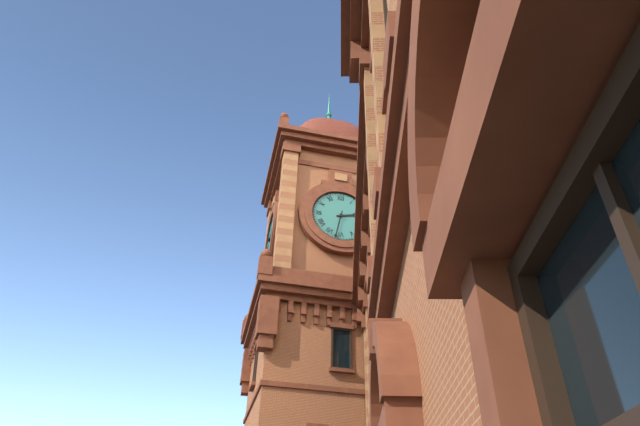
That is 2:32
